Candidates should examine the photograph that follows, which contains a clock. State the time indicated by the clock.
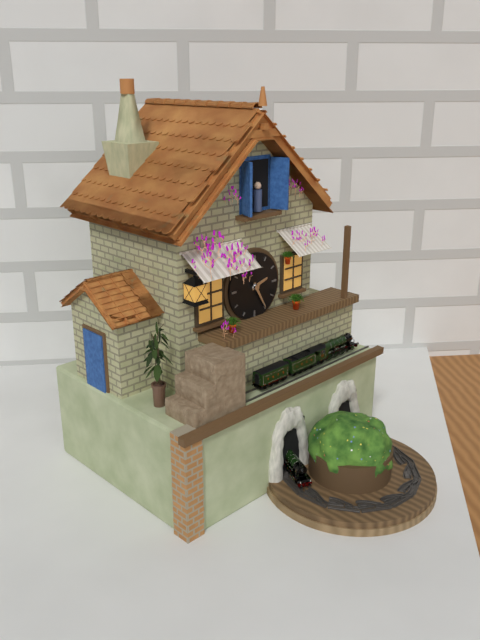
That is 2:25
